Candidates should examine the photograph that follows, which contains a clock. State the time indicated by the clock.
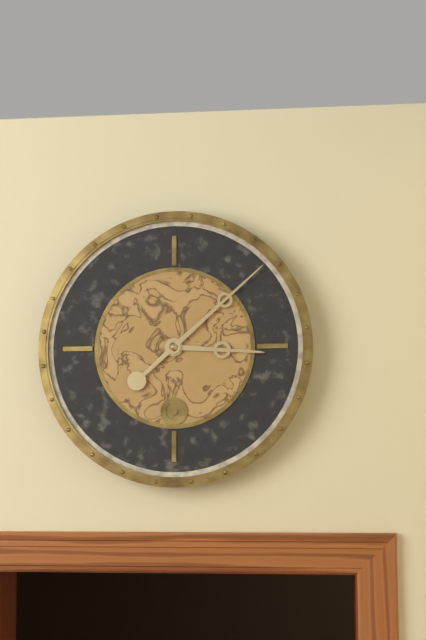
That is 3:08
